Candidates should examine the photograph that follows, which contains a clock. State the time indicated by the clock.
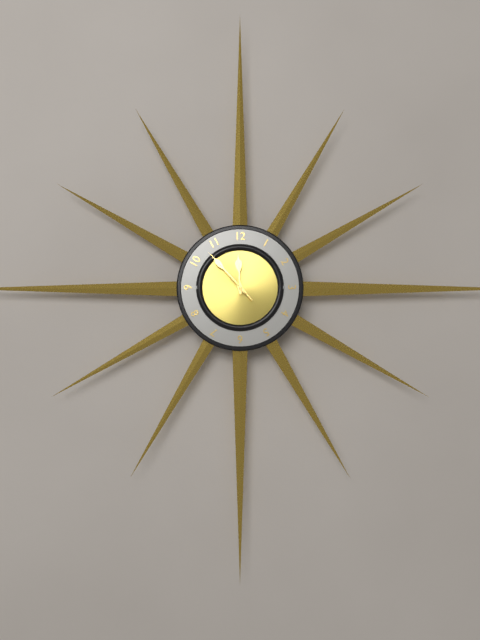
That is 11:53:53
